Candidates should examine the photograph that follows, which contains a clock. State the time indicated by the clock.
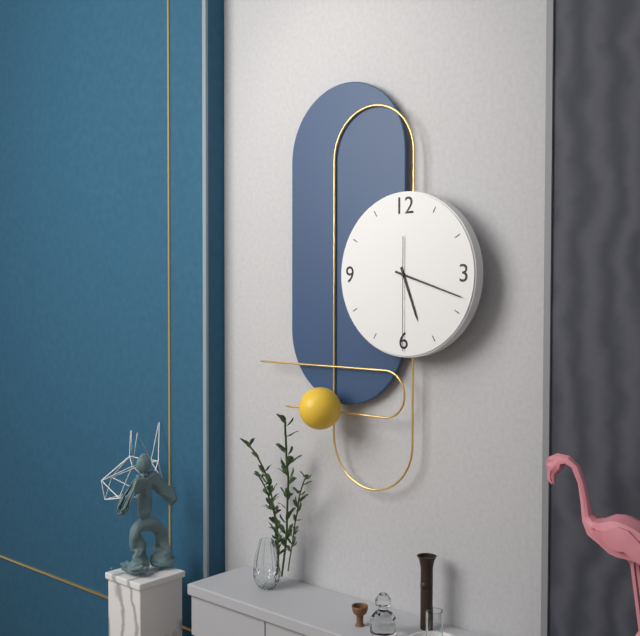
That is 5:18:30
